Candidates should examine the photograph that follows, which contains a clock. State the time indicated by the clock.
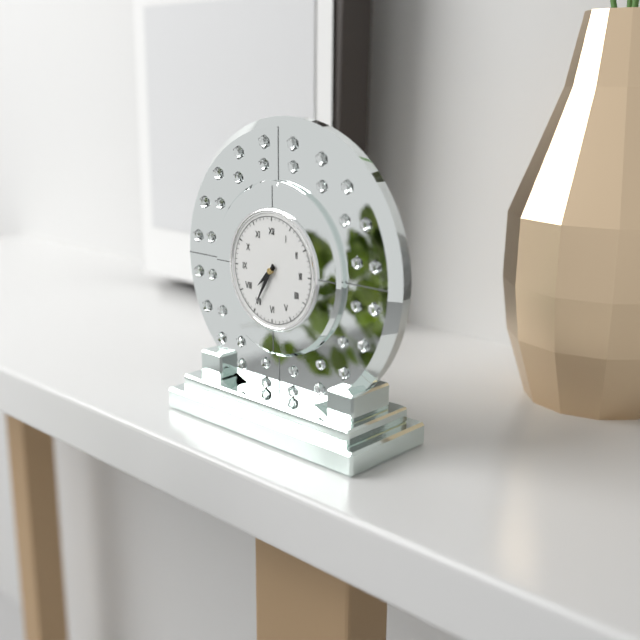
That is 7:35
